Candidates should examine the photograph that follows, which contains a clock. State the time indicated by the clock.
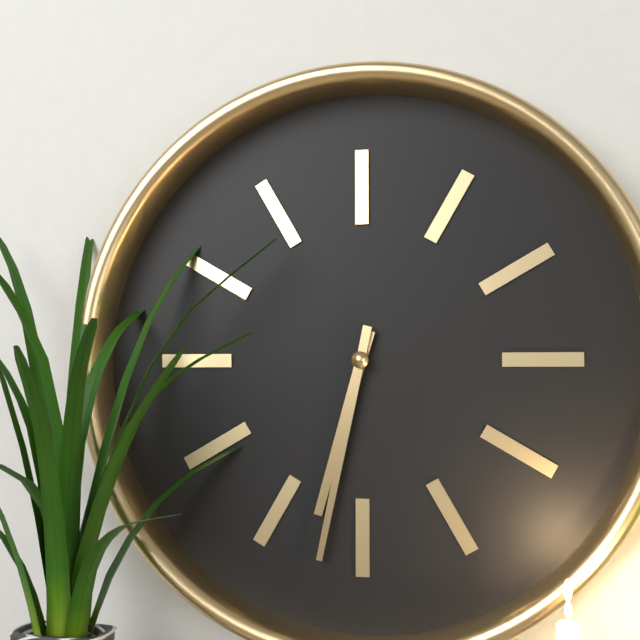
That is 6:32
